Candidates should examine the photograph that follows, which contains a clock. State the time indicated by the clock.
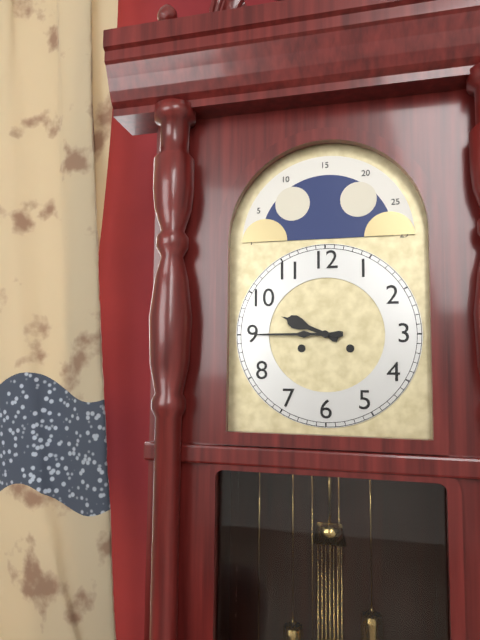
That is 9:45
